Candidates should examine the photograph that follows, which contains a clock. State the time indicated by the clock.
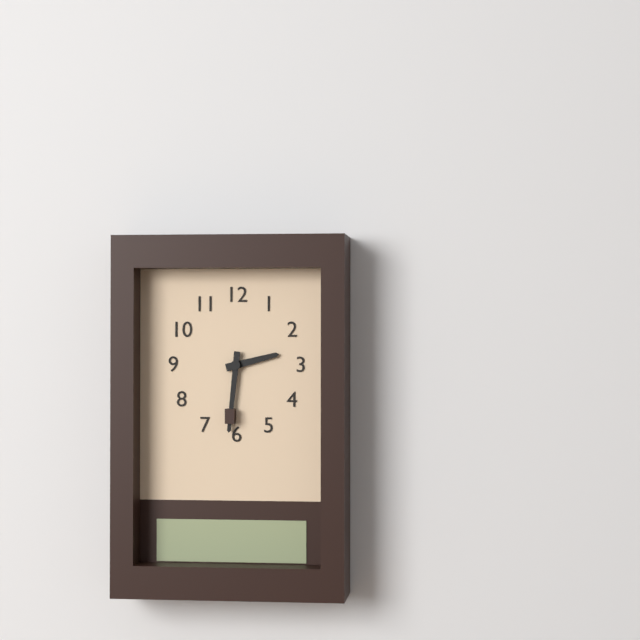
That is 2:31
